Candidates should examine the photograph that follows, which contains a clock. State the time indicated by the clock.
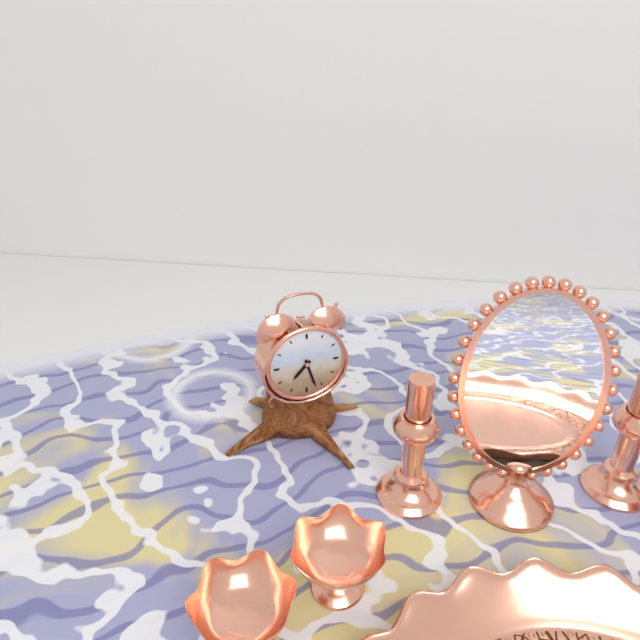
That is 7:27
